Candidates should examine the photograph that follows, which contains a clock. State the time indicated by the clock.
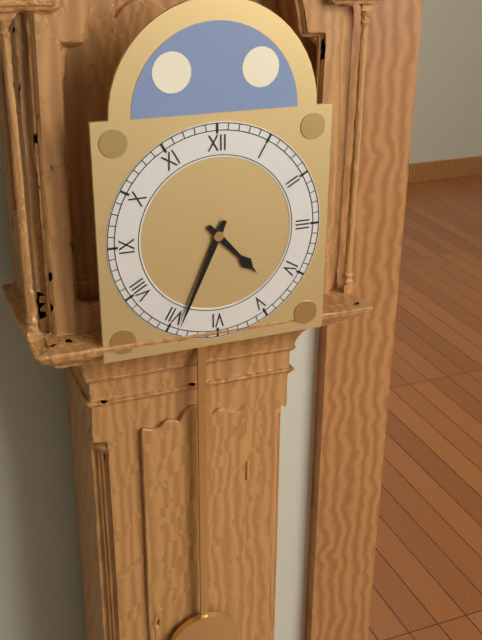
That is 4:34
